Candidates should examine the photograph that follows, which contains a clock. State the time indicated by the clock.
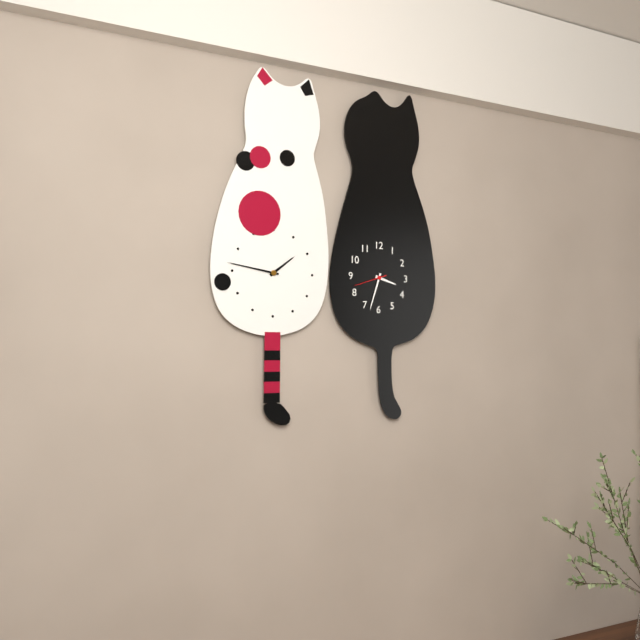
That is 3:33
